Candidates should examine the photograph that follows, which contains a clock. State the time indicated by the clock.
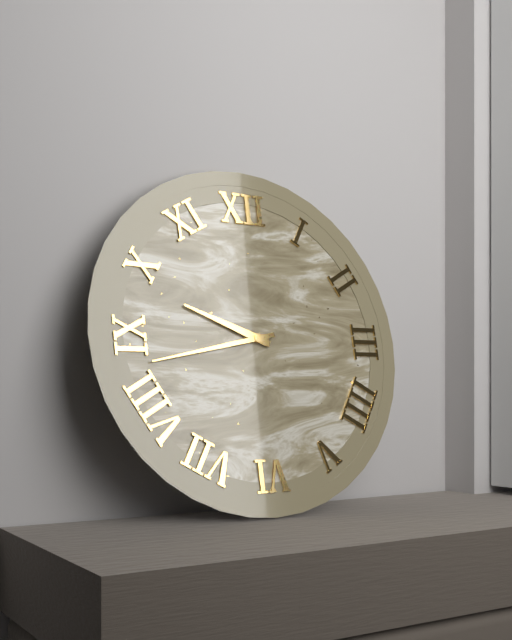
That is 9:43
